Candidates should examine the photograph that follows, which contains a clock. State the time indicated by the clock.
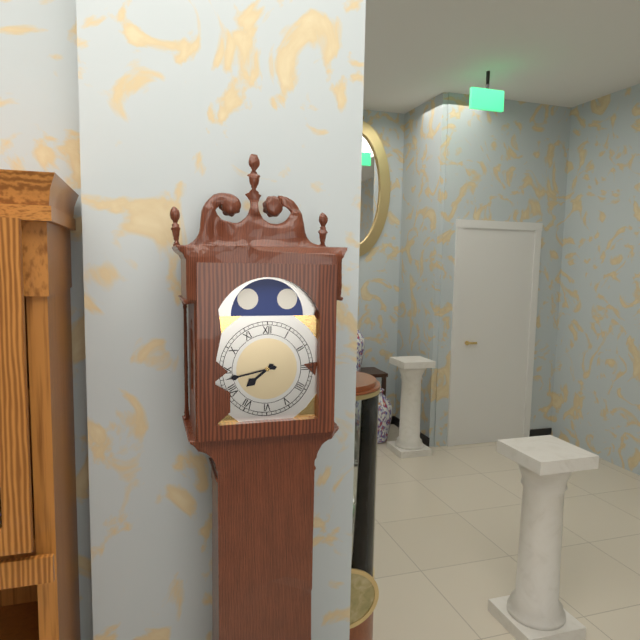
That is 7:43
